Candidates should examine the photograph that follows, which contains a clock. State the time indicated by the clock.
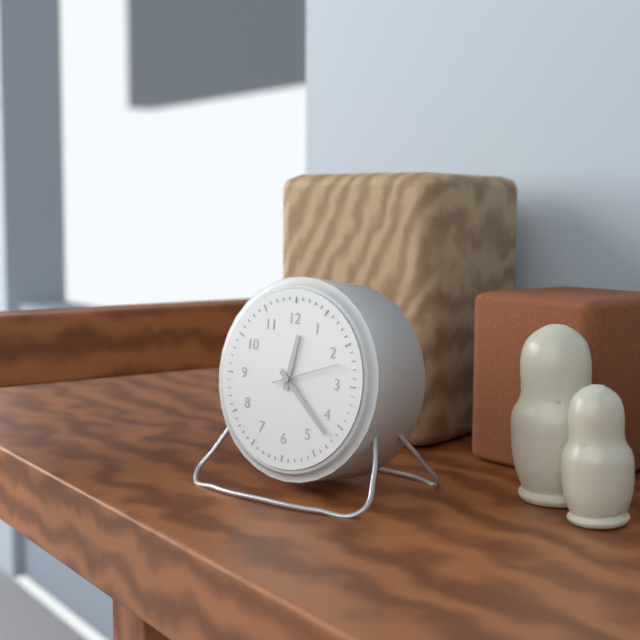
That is 12:22:12
